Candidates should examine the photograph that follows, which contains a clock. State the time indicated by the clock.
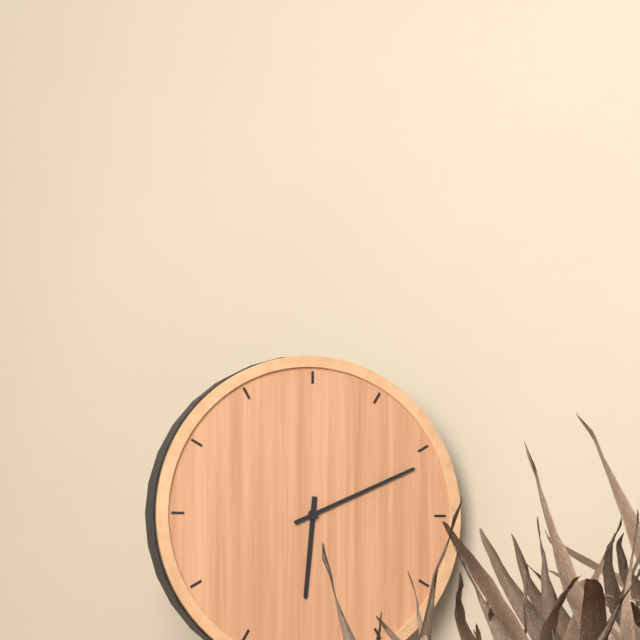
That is 6:11
